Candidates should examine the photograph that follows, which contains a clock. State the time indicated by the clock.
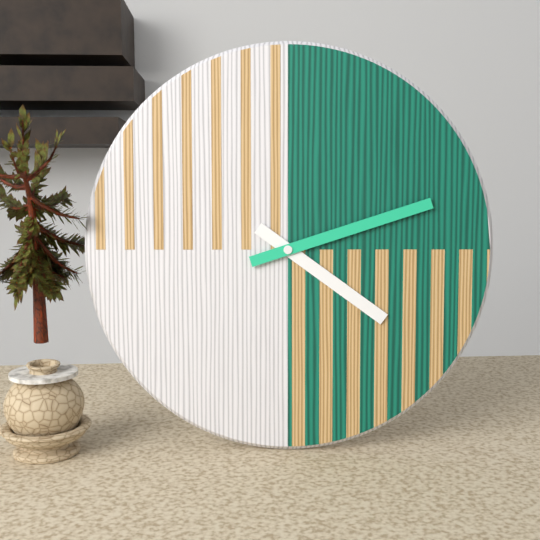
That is 4:12
